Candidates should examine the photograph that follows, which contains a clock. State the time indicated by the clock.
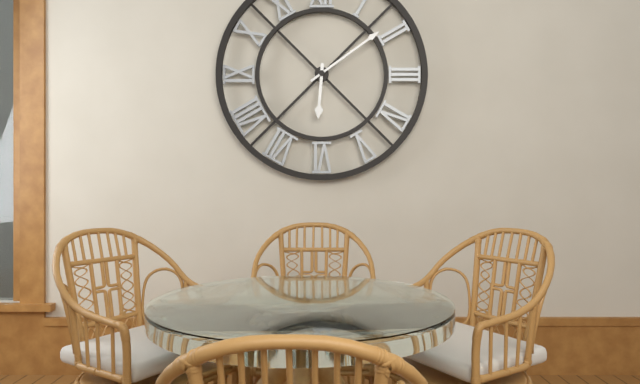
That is 6:09
